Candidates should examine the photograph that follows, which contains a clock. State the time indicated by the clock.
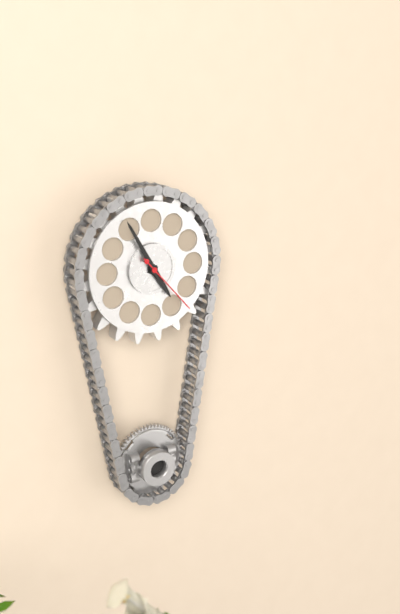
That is 4:55:23
